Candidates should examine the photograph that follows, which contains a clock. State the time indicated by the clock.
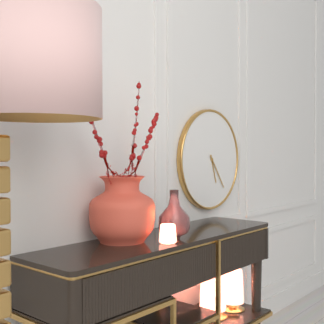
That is 5:24
